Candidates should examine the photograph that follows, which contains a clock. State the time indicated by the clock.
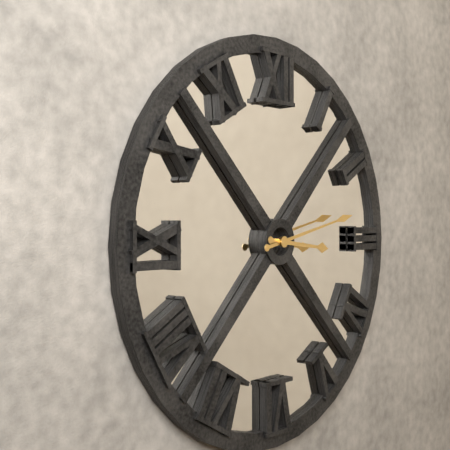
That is 3:13
